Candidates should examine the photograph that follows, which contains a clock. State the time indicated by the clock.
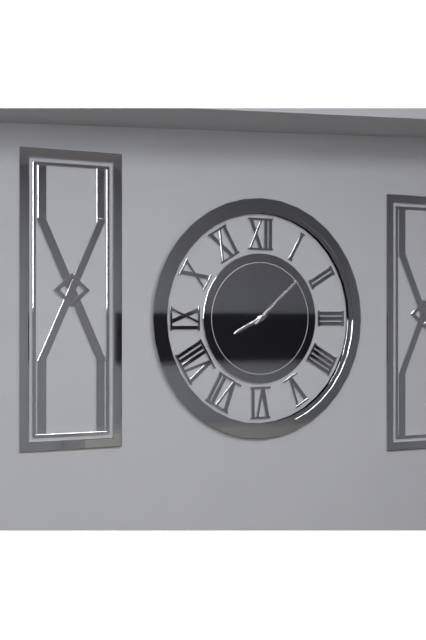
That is 8:08
